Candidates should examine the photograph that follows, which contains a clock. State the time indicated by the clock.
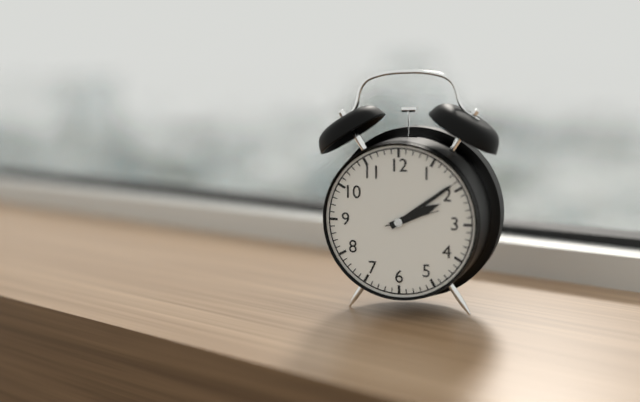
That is 2:09
